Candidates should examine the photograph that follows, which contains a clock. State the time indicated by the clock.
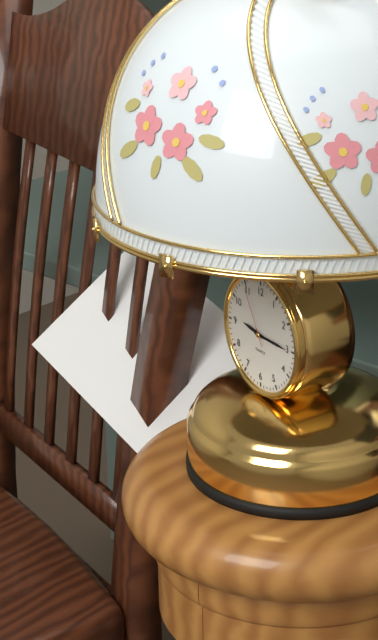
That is 9:15:55
